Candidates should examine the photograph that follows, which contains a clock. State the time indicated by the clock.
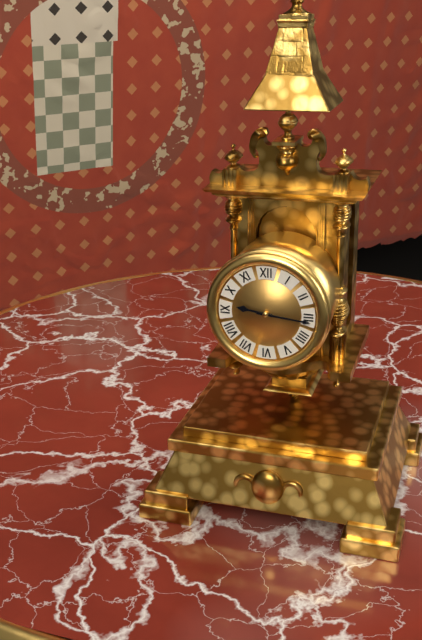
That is 9:16
